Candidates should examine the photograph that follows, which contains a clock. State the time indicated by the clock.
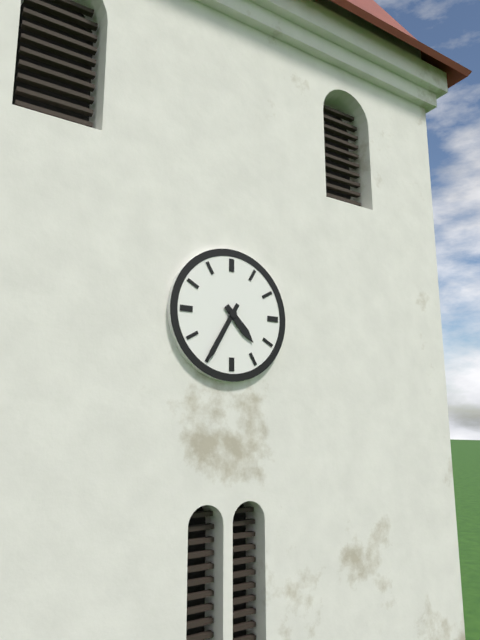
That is 4:35
